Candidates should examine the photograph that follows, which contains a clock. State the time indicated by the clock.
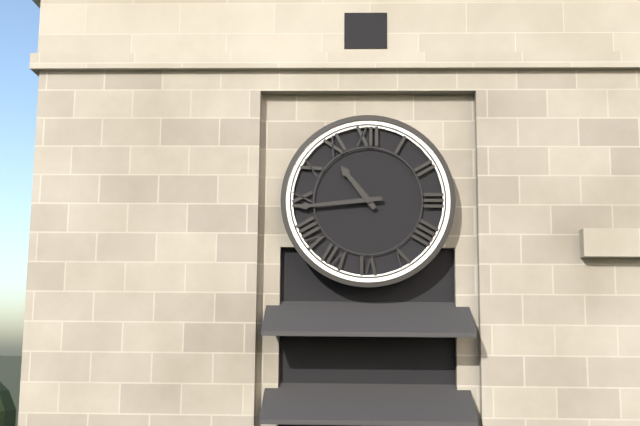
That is 10:44
